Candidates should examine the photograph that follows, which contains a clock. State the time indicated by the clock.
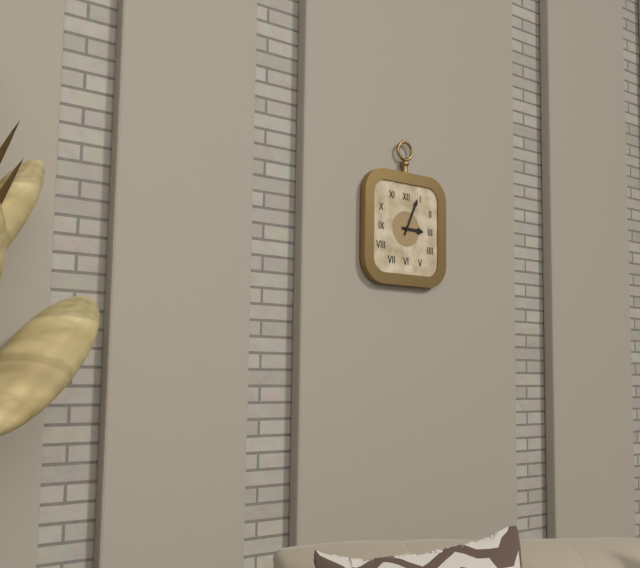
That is 3:04
